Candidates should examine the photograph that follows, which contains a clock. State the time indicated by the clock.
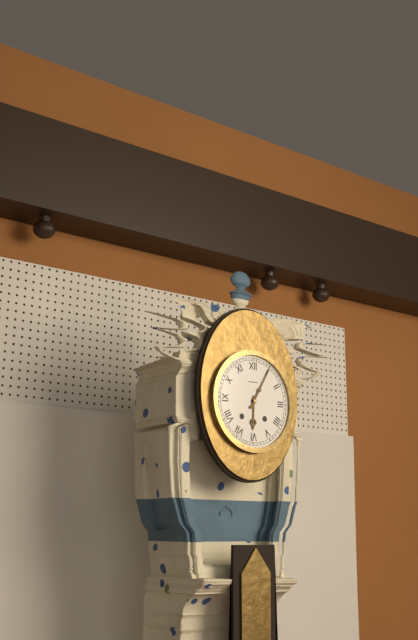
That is 6:05
